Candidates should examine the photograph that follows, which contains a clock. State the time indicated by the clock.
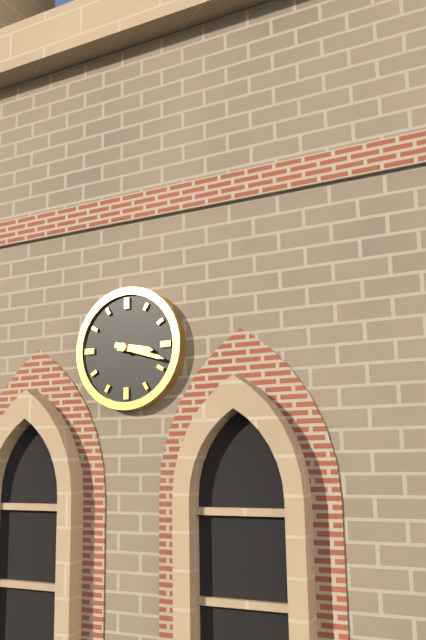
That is 3:18
